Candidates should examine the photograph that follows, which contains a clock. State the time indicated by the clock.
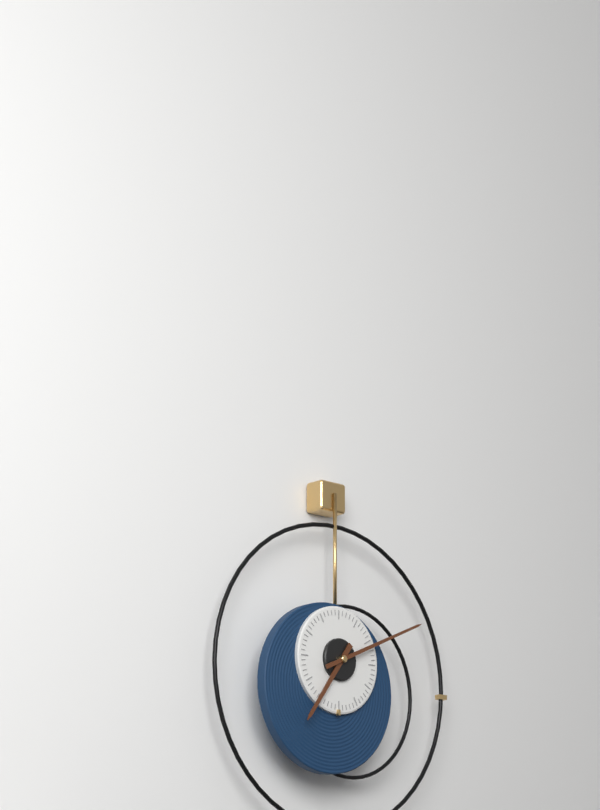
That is 7:11
